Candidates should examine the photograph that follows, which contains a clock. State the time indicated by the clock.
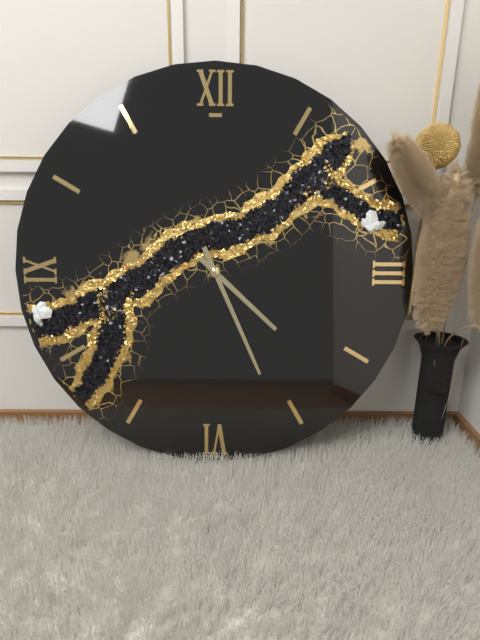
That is 4:26
